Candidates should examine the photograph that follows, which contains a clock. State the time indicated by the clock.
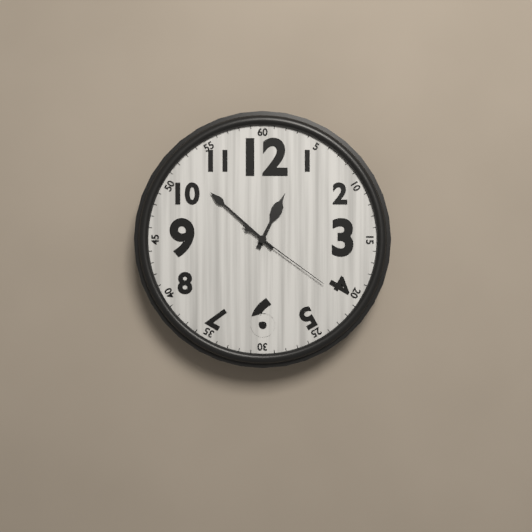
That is 12:52:21
